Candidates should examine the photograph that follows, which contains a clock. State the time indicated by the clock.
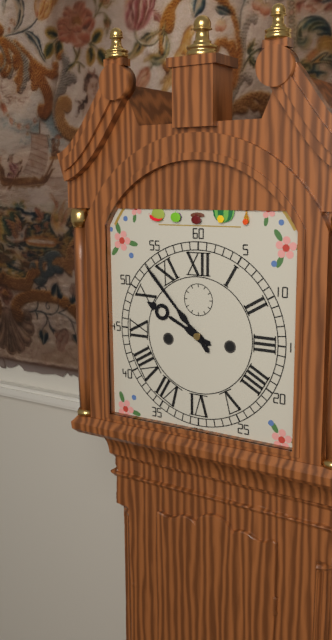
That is 9:53
